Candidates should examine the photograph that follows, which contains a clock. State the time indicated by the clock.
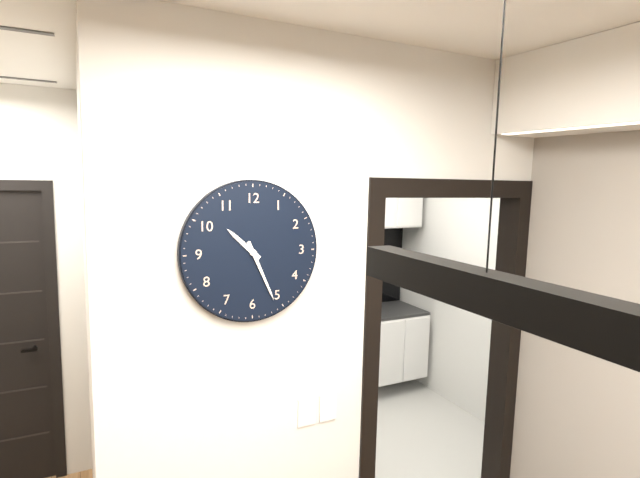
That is 10:26
